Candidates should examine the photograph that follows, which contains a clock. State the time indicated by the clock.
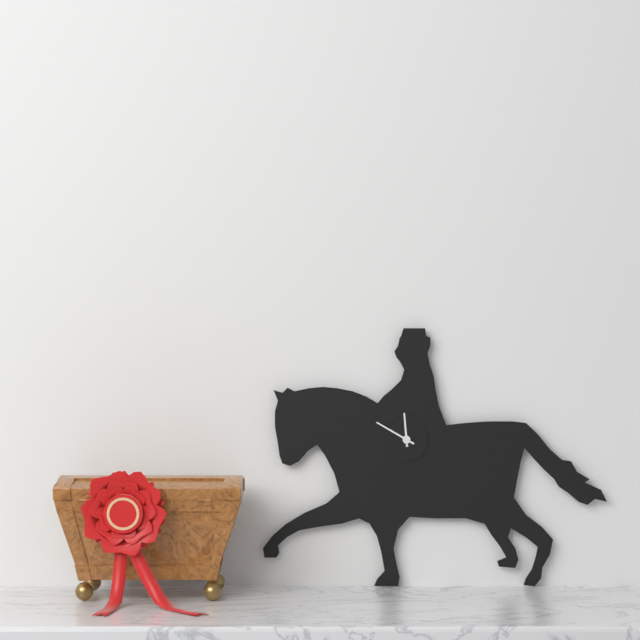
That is 11:50
